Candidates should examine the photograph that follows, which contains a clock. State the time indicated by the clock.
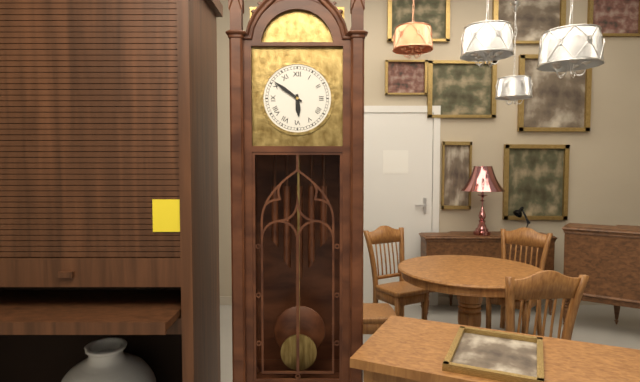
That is 5:51
